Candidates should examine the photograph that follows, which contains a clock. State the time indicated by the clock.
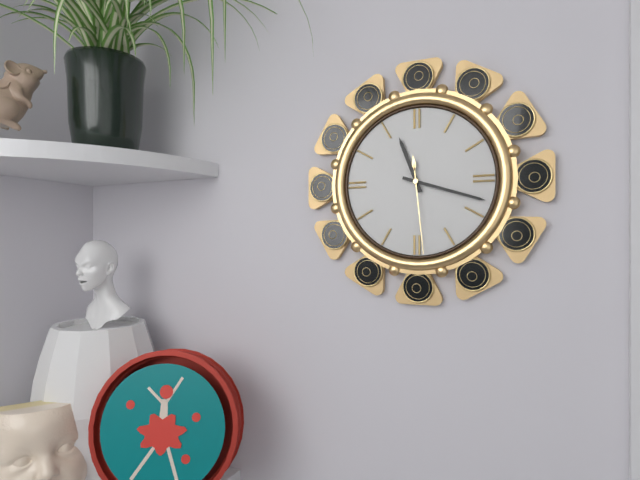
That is 11:18:29
